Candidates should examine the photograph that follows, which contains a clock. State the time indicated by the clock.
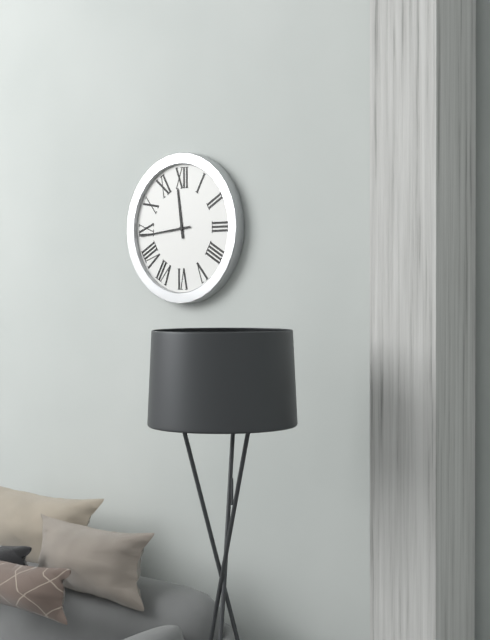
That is 11:44
